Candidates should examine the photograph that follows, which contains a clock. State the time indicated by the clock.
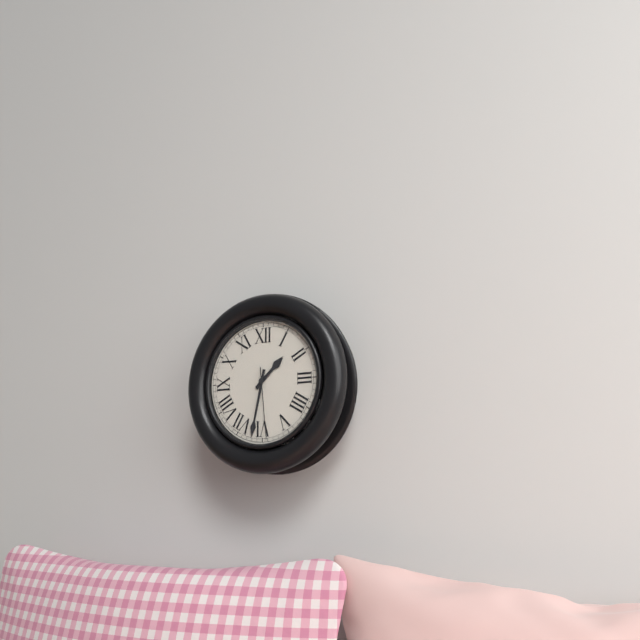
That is 1:32:29
